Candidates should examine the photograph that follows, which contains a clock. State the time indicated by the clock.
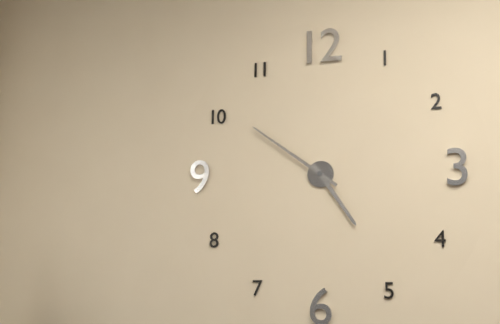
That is 4:51
